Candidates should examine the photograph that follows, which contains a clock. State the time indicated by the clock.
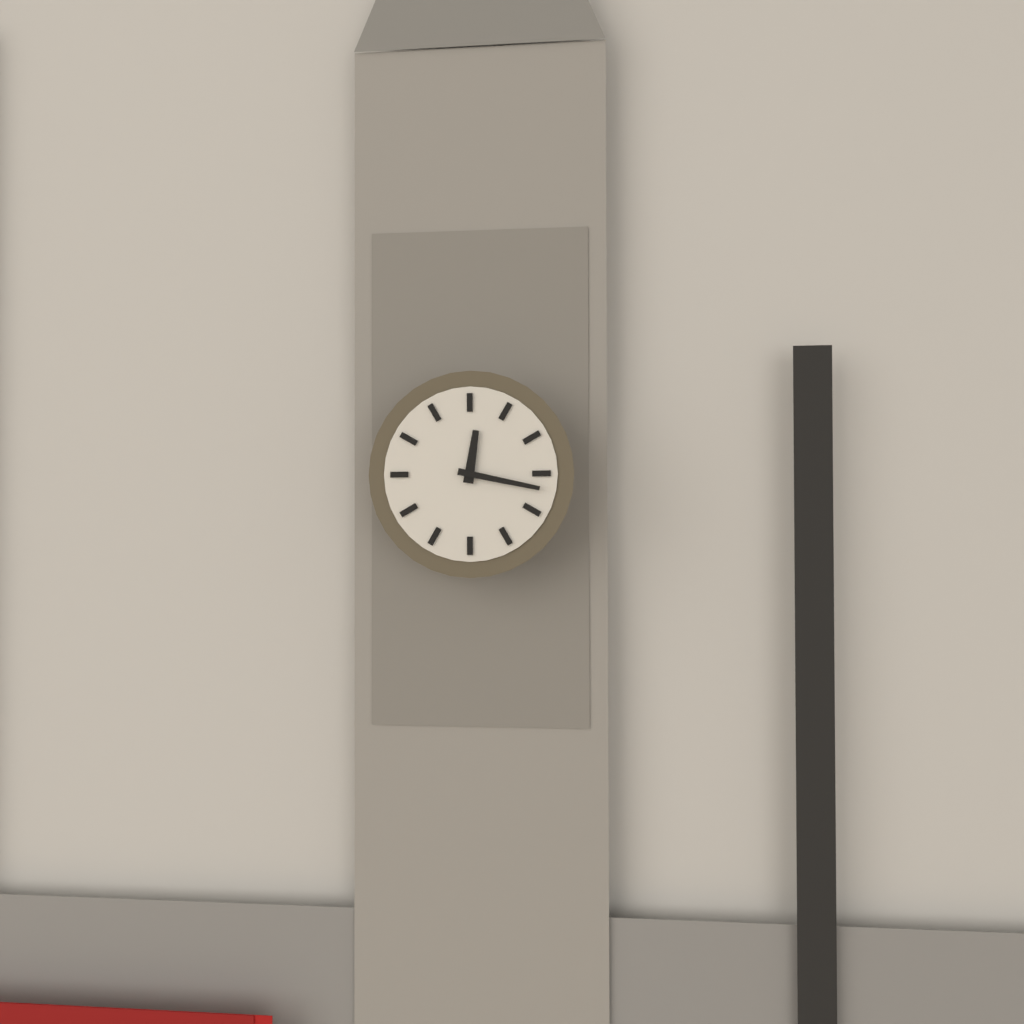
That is 12:17
